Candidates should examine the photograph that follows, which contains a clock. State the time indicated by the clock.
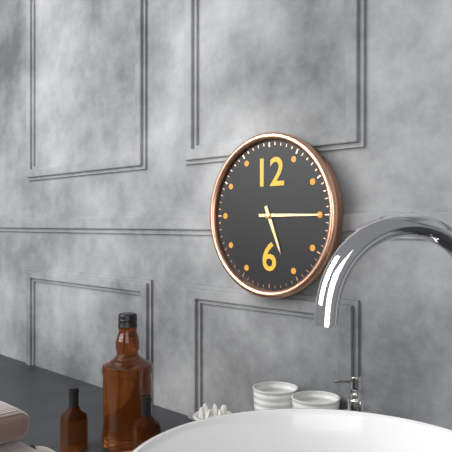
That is 5:15
